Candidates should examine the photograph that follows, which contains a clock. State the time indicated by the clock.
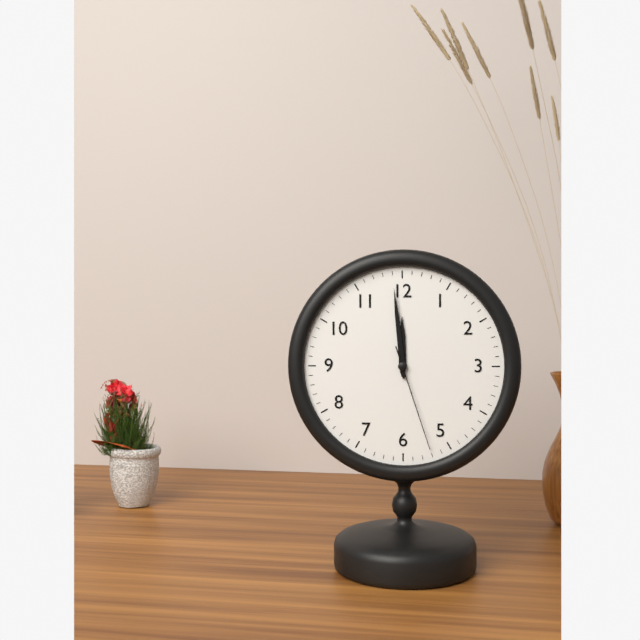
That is 11:59:27
